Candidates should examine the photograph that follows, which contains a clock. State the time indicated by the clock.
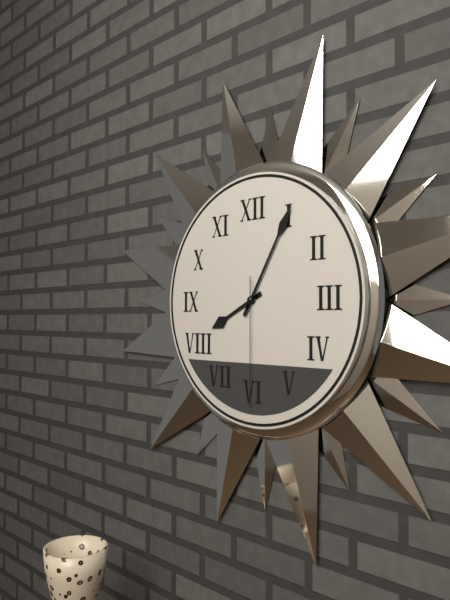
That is 8:05:30
